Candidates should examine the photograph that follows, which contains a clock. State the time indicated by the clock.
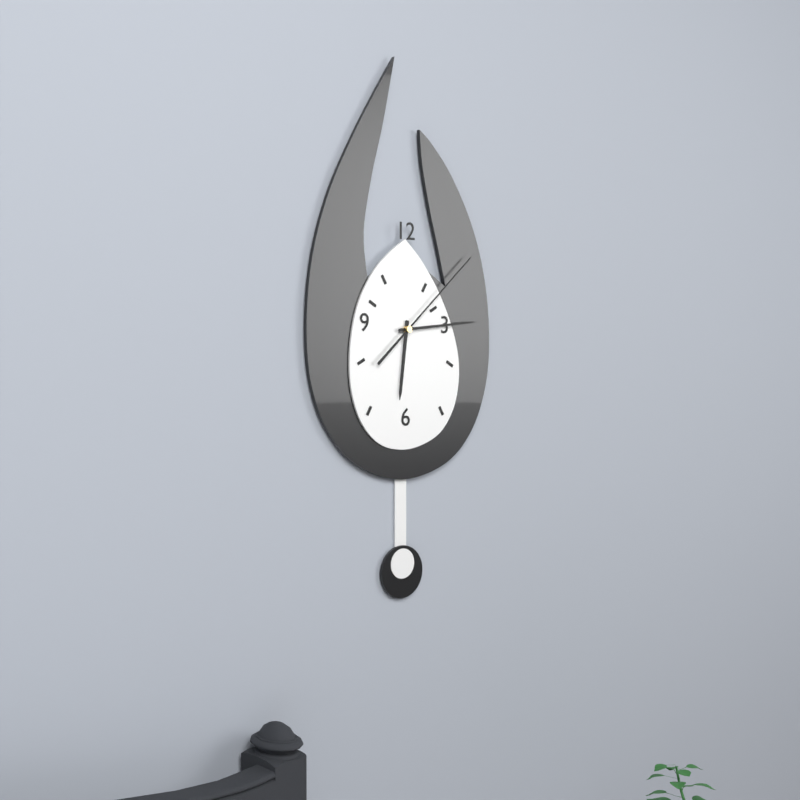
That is 6:14:08
